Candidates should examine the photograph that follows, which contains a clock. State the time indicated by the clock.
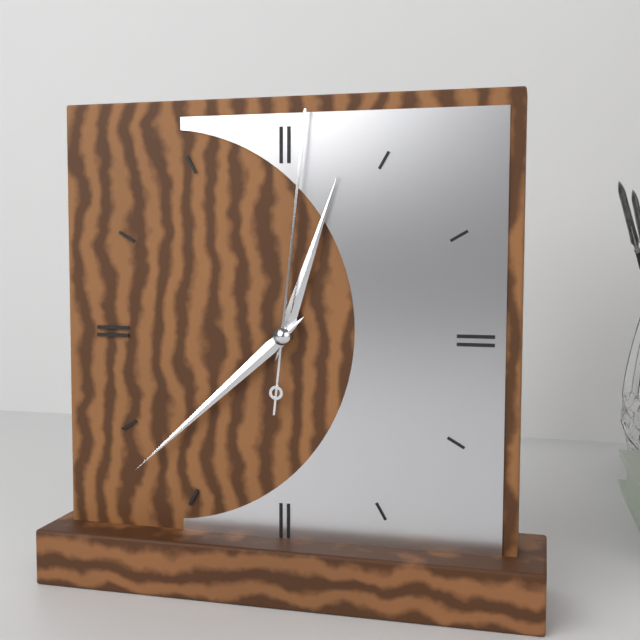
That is 12:38:01
